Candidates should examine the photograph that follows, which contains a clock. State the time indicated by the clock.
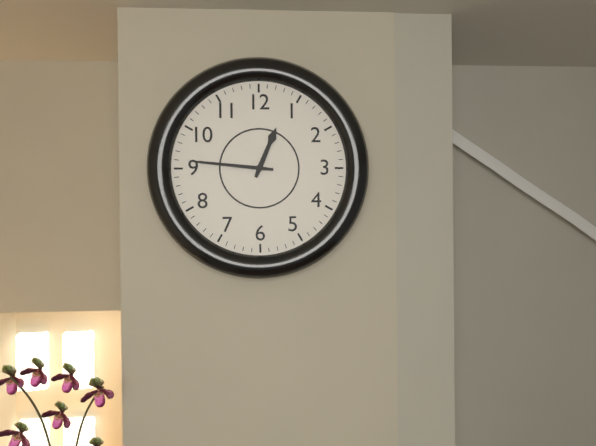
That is 12:46
